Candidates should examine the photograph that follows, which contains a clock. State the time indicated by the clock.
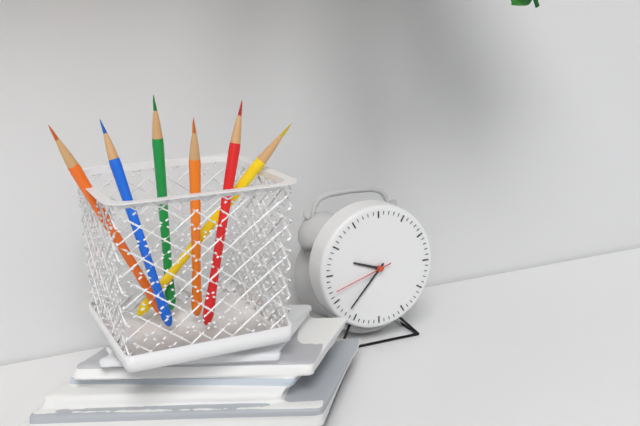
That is 9:37:42
